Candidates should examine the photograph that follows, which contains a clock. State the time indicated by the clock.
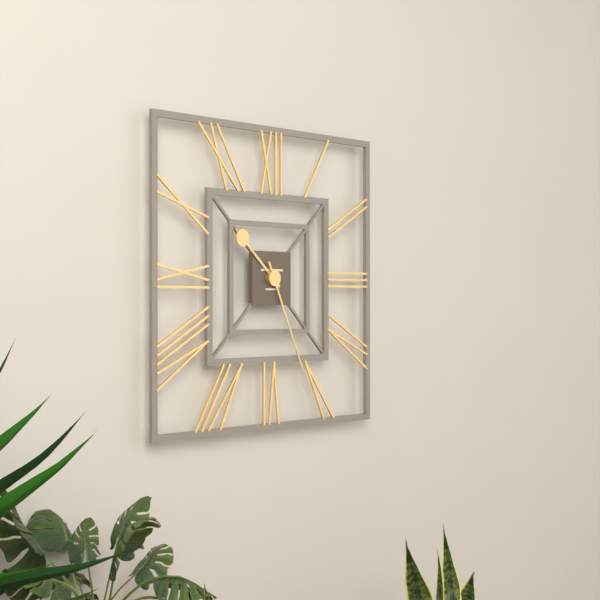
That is 10:26
